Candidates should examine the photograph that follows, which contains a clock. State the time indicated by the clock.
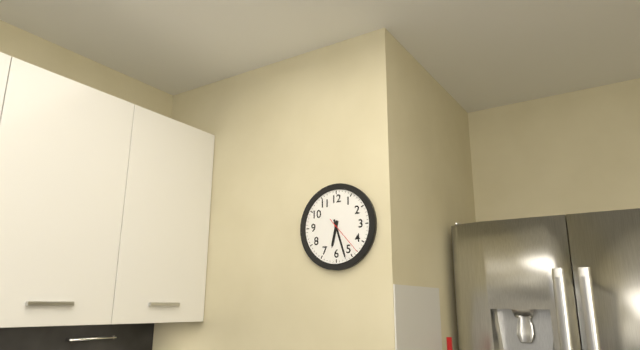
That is 6:27
